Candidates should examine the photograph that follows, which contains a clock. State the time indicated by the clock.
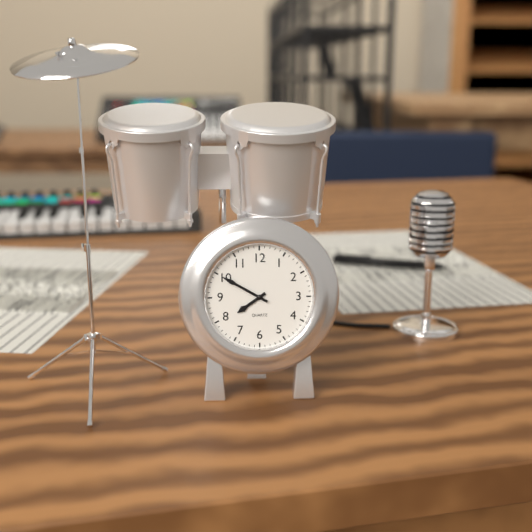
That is 7:50
